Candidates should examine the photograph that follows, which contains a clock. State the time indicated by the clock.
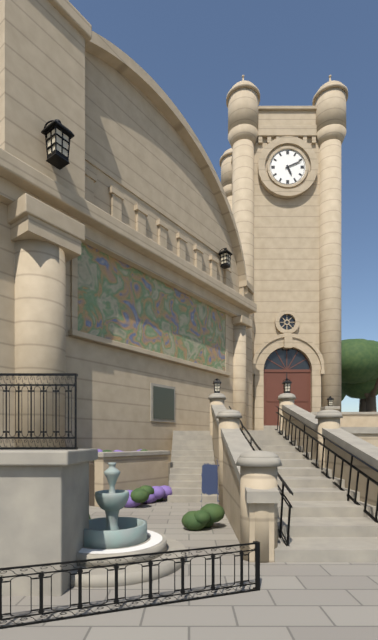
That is 5:11
